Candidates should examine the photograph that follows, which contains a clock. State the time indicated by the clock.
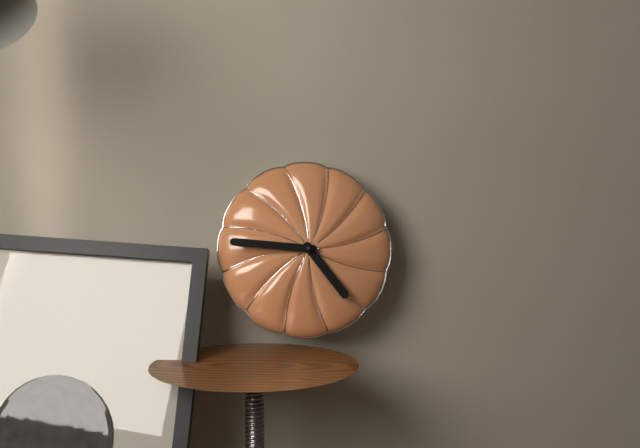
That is 4:46
